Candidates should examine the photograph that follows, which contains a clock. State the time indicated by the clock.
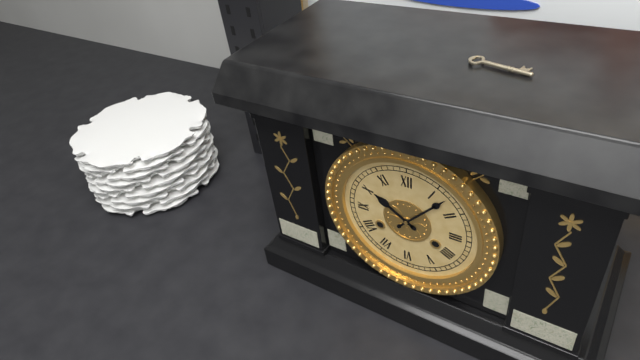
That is 10:07
